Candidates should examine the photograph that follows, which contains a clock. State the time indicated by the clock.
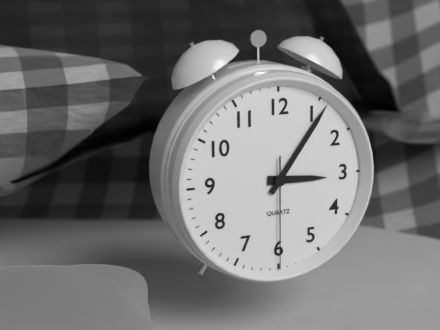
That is 3:06:30
